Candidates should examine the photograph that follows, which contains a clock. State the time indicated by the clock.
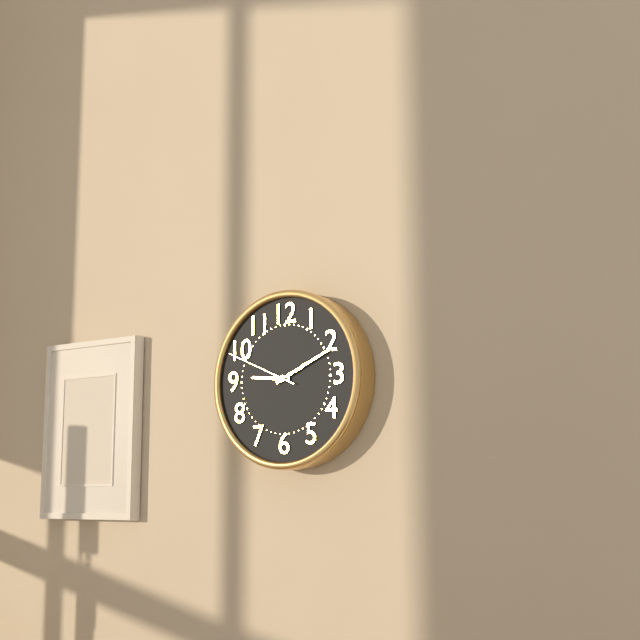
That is 9:11:49
